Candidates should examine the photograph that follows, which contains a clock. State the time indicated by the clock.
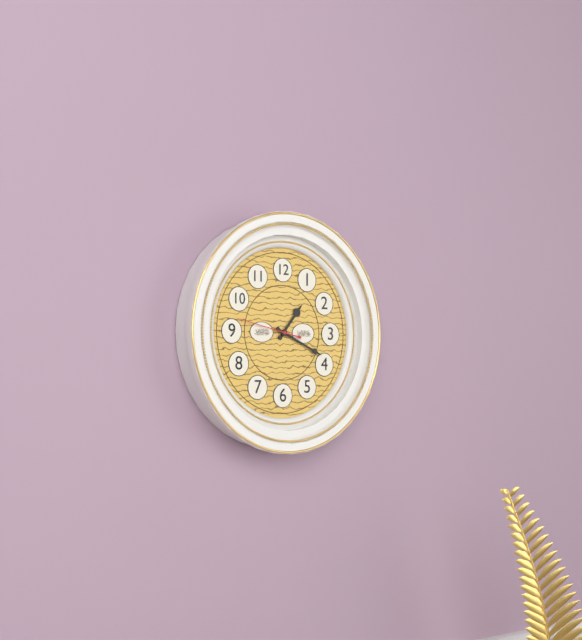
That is 1:19:47
